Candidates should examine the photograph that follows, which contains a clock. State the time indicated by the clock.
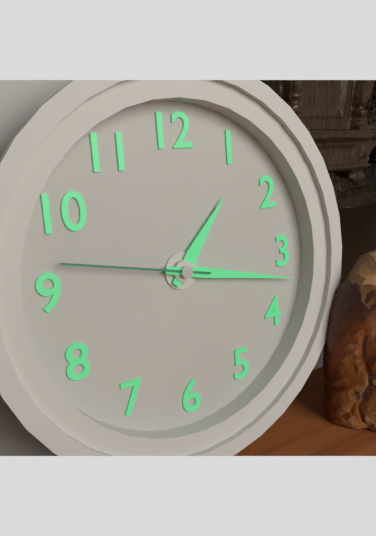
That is 1:17:47
